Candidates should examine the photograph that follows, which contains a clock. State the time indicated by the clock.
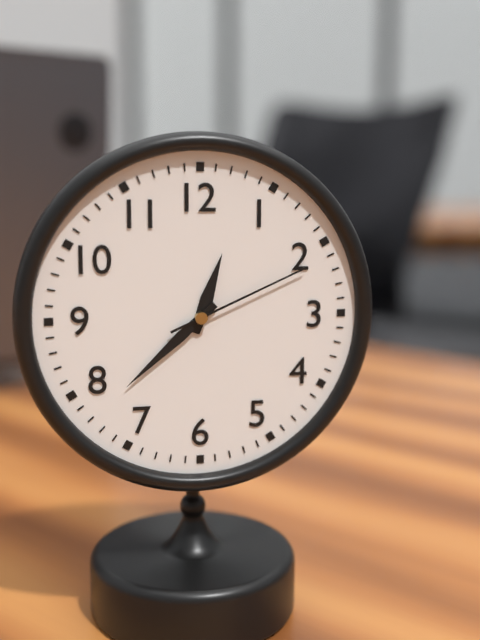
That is 12:38:11
